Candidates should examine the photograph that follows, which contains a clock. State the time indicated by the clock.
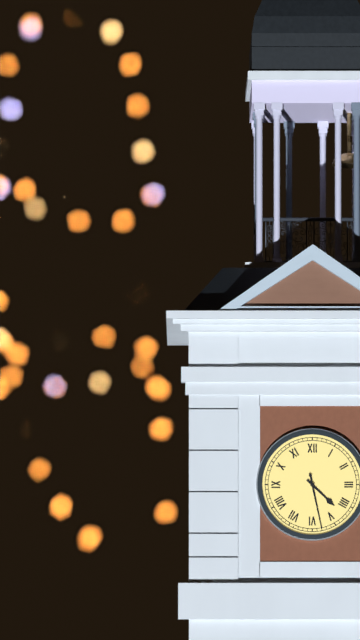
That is 4:28
